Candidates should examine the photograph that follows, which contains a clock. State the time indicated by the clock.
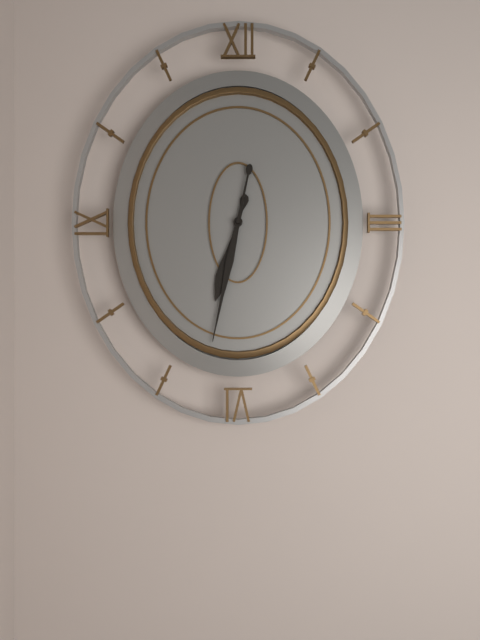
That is 6:32
